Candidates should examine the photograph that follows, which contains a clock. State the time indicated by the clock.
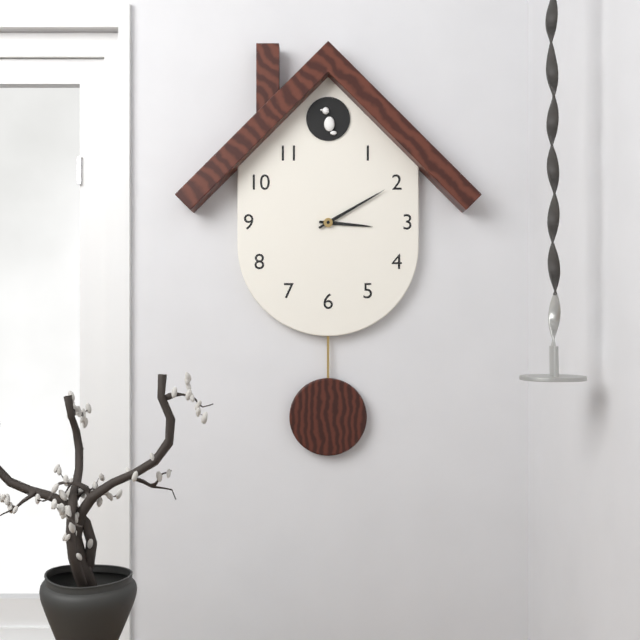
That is 3:10
